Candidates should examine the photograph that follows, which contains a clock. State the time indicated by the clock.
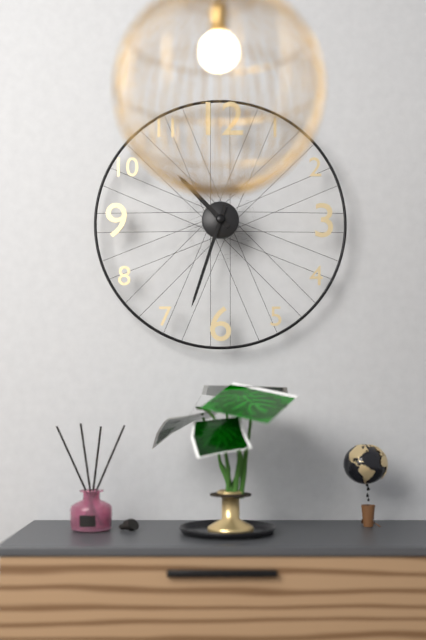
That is 10:33
